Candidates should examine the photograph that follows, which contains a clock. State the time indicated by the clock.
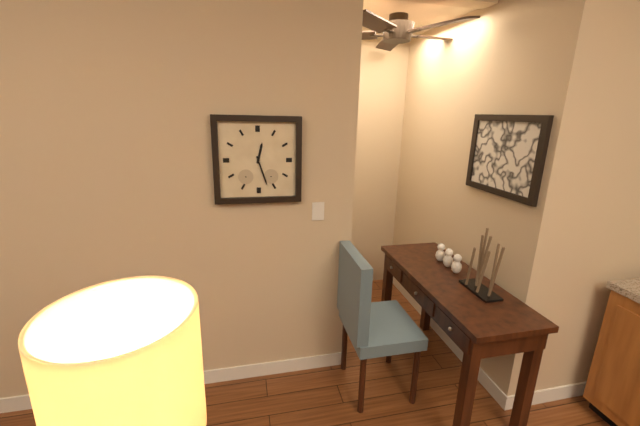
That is 12:27
